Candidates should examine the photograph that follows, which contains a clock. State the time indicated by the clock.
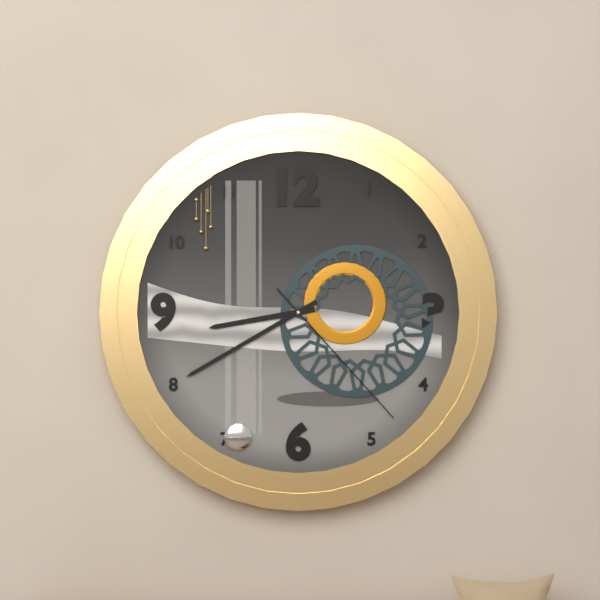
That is 8:40:23
